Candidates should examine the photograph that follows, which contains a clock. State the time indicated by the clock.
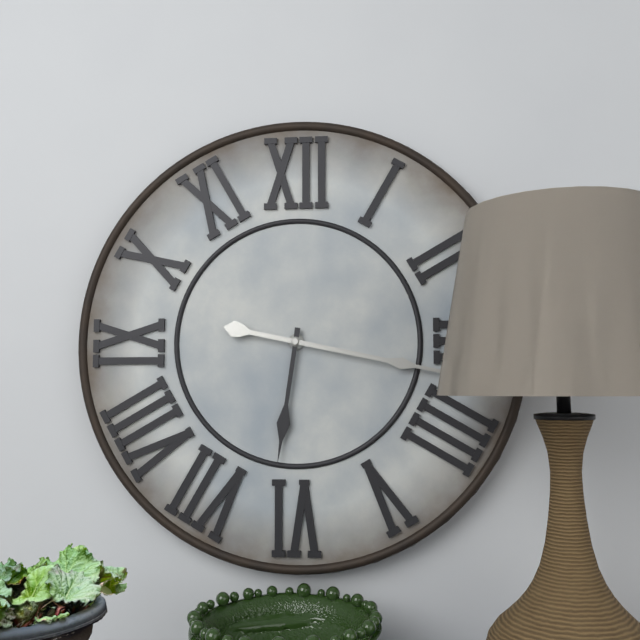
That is 6:17
